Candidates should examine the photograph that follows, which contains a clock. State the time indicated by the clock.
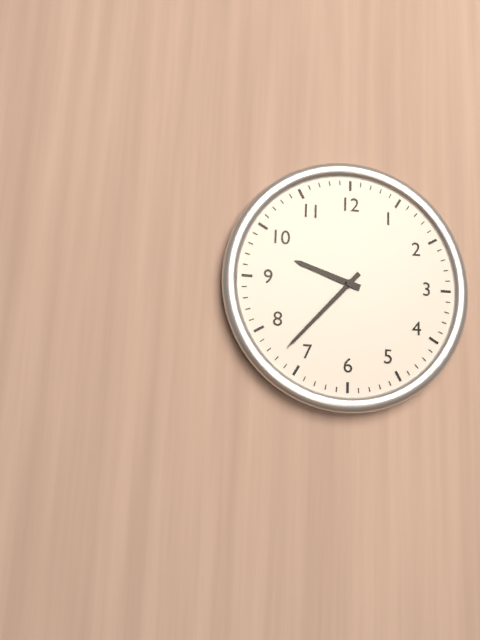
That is 9:37
